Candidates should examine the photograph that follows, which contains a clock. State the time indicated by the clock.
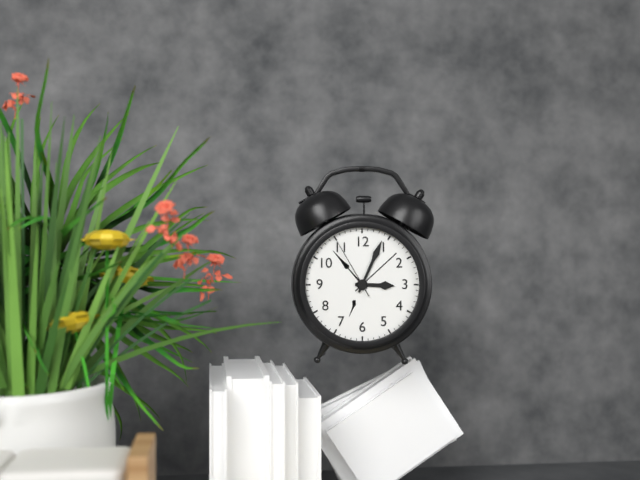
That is 3:04:55
